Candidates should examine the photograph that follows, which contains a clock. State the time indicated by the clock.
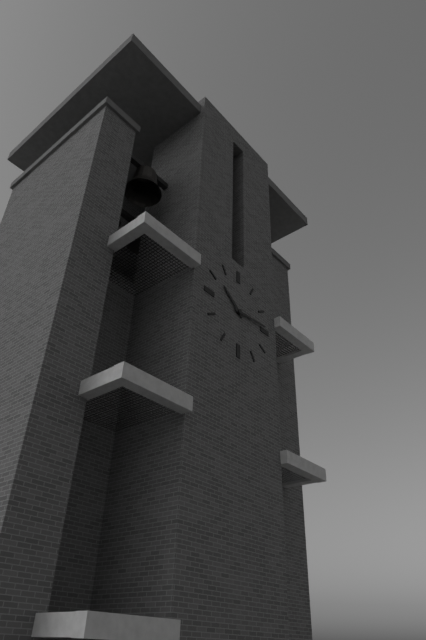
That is 10:14
